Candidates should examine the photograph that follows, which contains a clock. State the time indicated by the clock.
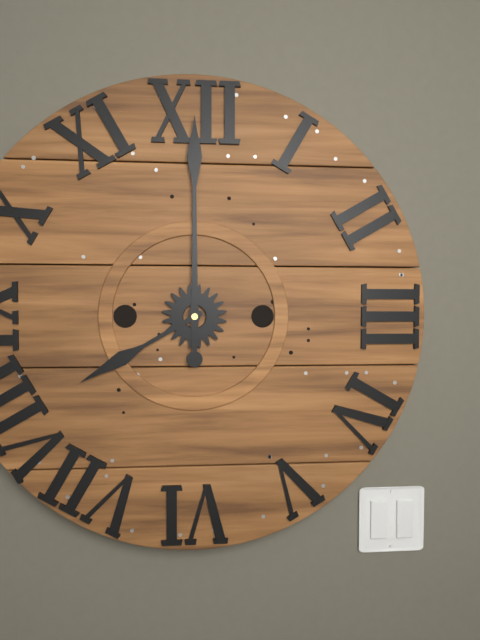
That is 8:00
